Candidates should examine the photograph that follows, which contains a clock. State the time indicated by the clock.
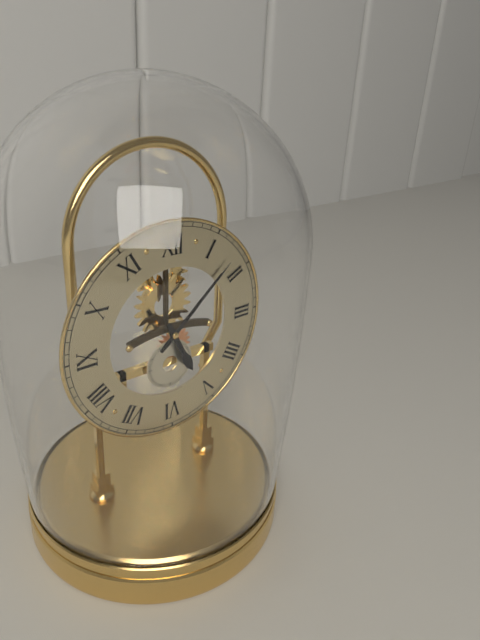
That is 5:08
